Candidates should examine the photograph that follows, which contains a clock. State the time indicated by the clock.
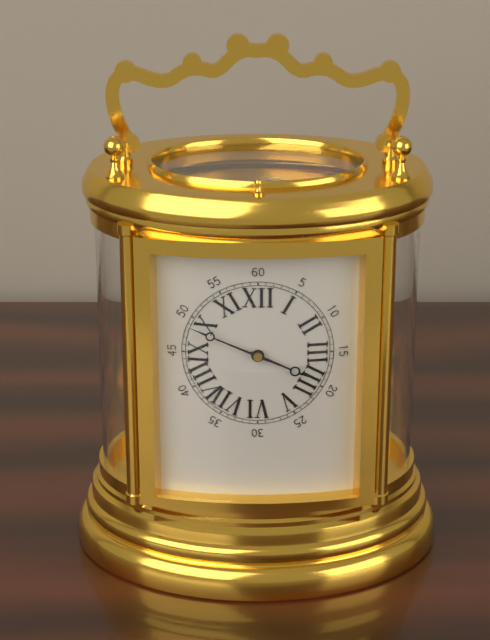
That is 3:49
